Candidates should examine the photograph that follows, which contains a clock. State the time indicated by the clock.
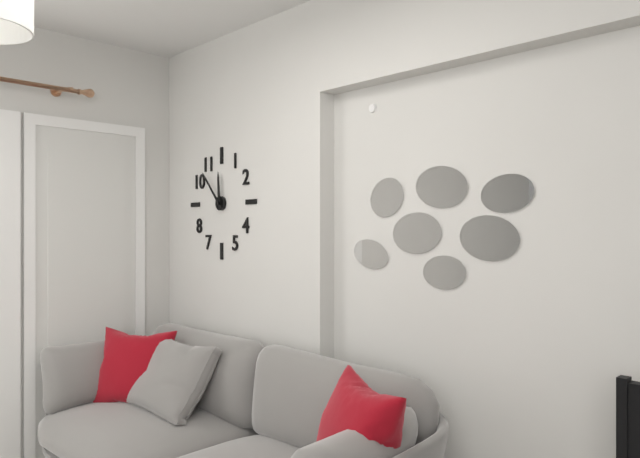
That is 11:53
